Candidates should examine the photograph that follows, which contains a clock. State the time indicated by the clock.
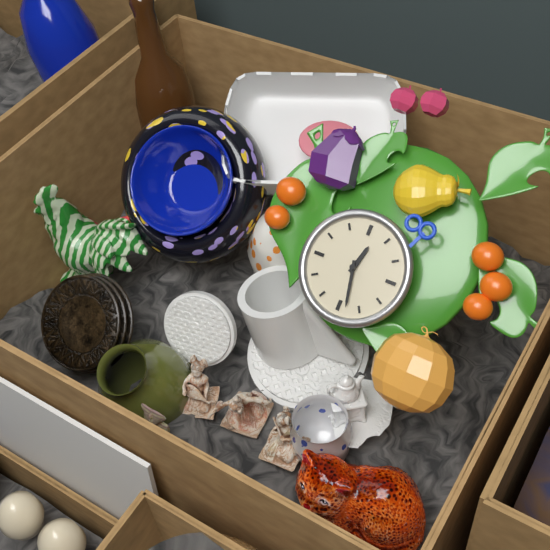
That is 12:28
